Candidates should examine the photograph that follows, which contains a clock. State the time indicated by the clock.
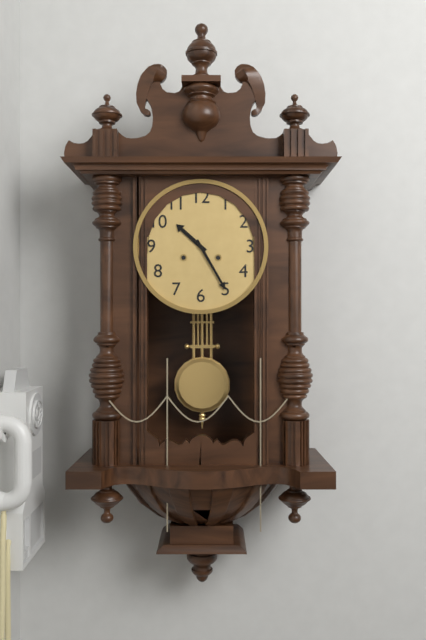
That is 10:25
